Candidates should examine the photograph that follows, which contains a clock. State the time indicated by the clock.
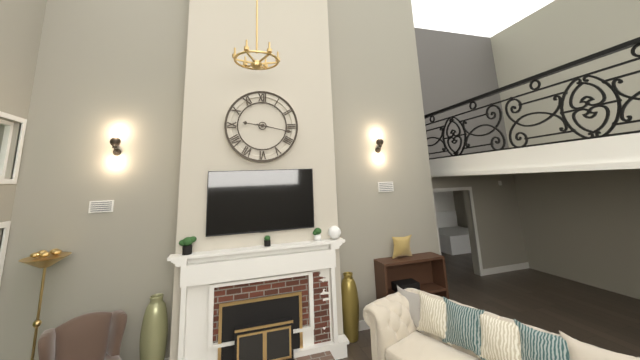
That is 9:17
